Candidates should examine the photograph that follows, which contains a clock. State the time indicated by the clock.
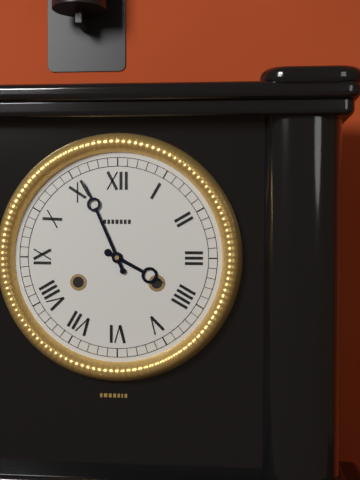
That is 3:56
